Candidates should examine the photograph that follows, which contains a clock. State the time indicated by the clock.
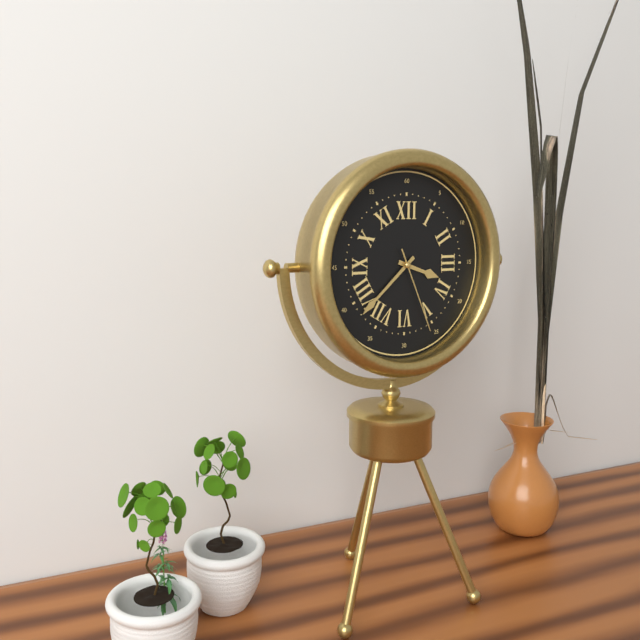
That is 3:38:26
